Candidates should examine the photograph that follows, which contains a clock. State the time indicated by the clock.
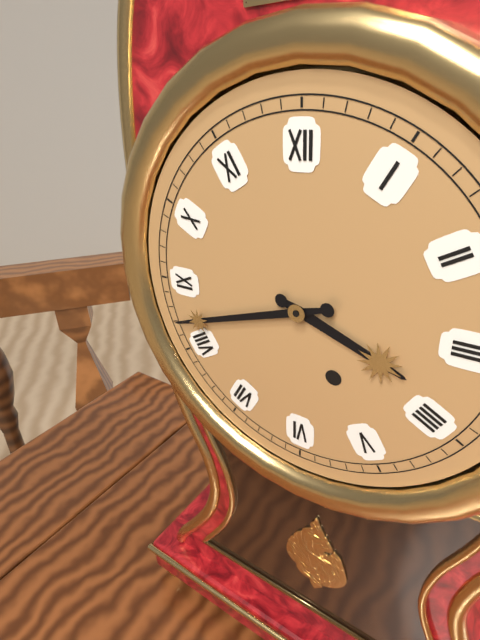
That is 3:42
